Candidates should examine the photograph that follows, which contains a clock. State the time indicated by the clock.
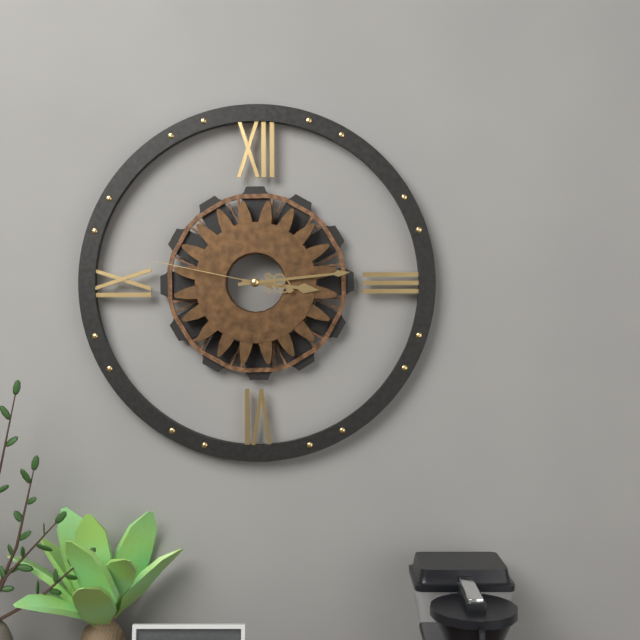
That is 3:14:47
